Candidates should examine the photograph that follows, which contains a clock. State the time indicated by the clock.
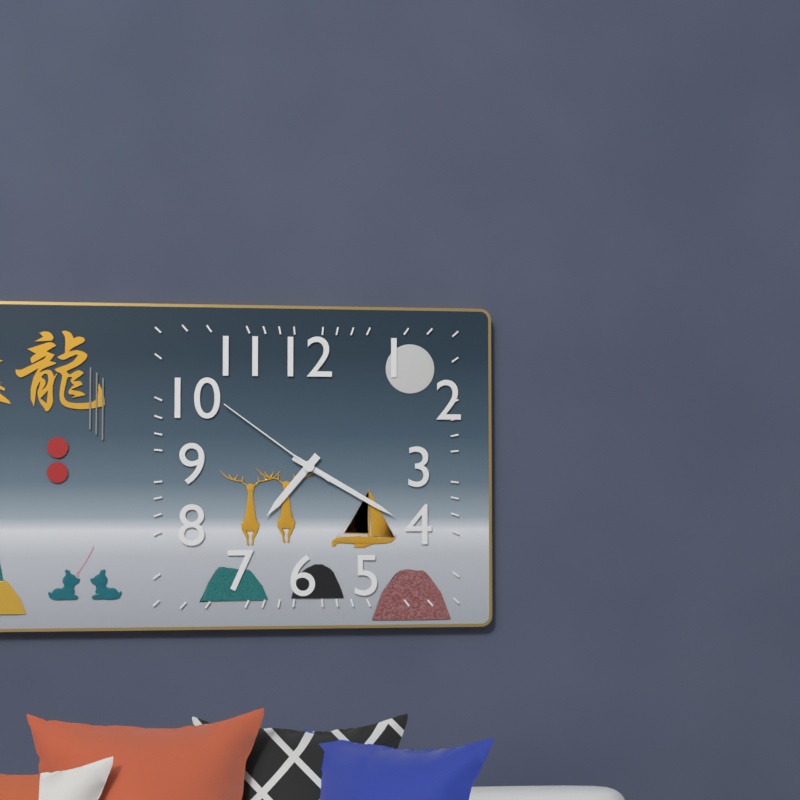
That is 7:20:51
